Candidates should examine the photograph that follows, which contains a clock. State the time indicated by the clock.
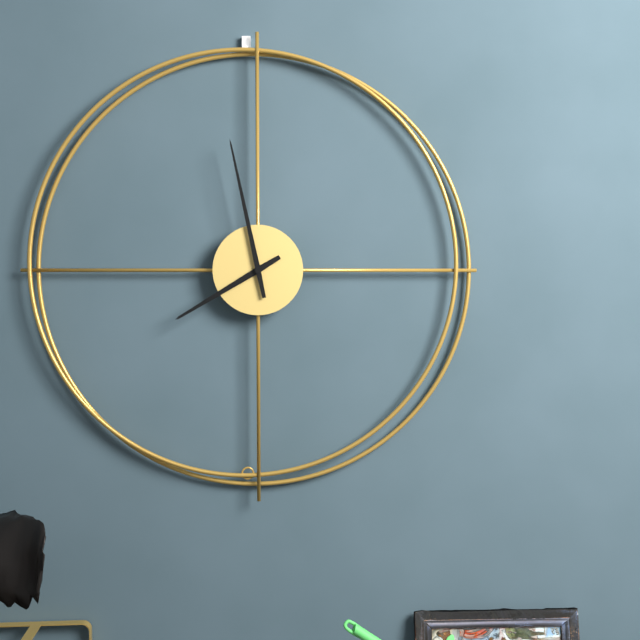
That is 7:58
